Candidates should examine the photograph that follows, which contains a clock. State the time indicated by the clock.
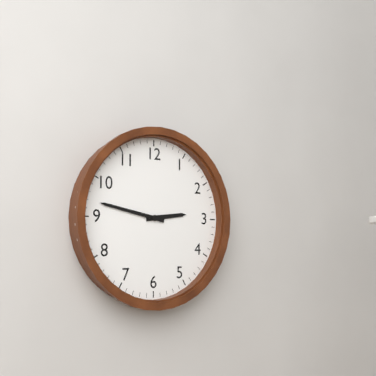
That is 2:47
